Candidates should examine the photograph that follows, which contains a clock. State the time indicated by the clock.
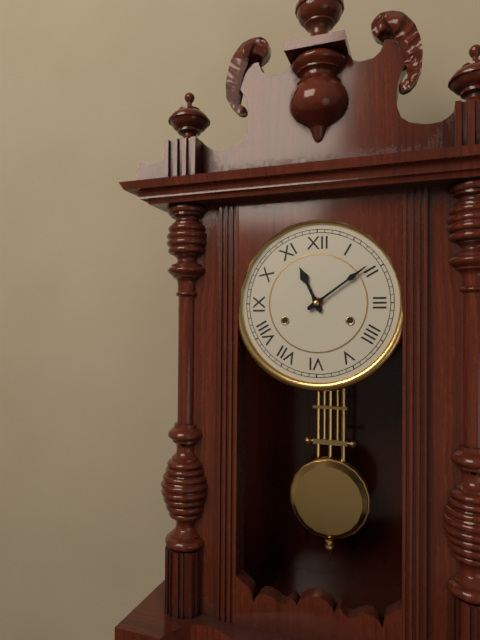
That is 11:09
